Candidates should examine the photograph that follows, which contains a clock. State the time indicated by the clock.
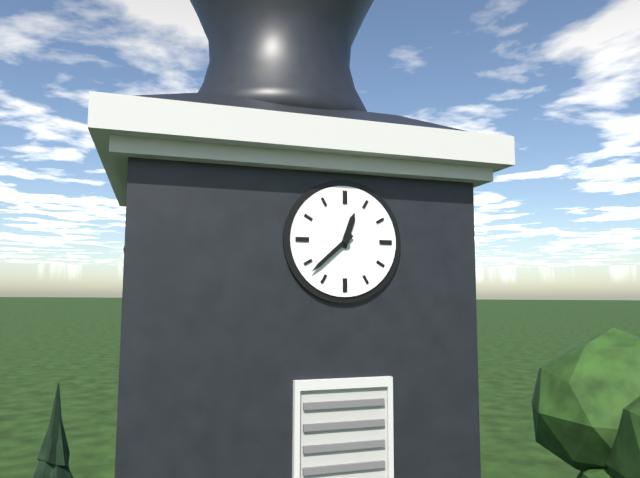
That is 12:38
